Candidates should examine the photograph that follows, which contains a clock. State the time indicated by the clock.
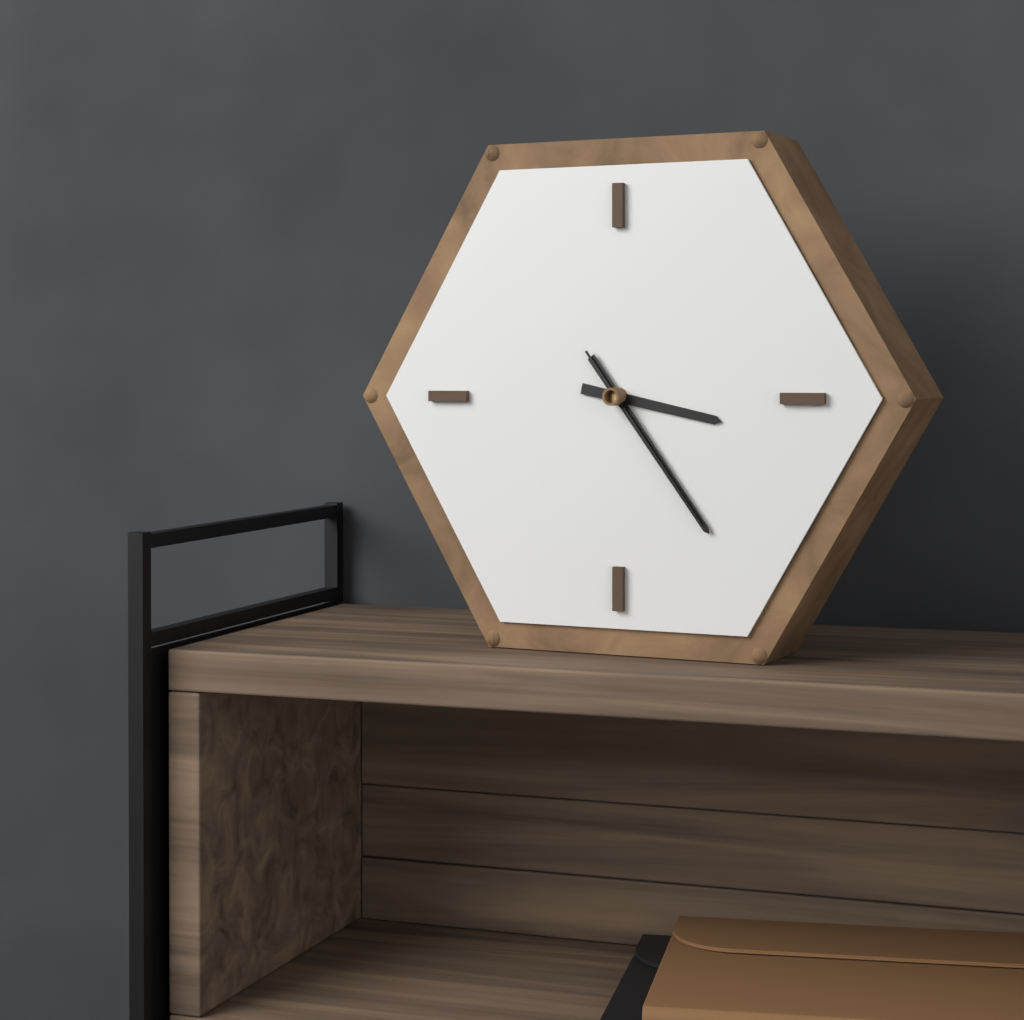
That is 3:24:24
